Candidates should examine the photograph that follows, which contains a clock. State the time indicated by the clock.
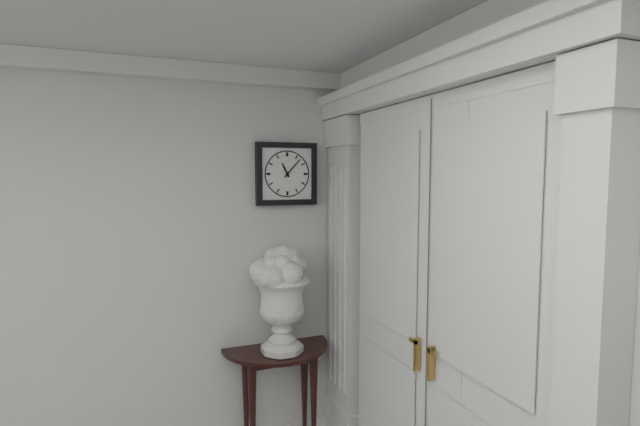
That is 11:07
